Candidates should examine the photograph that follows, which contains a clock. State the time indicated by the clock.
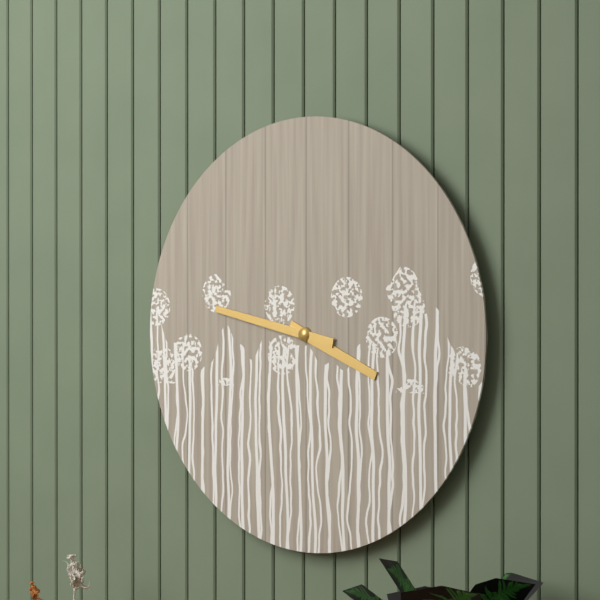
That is 3:47
